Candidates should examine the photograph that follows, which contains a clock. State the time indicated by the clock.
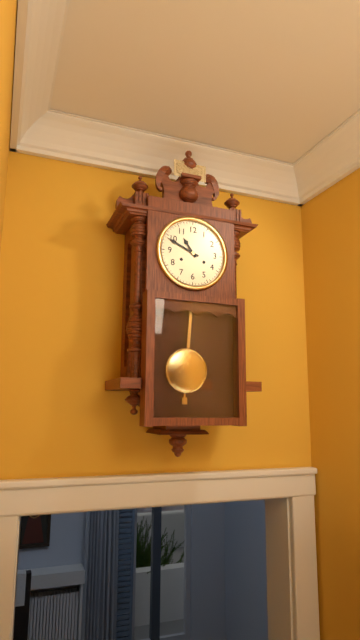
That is 10:49
